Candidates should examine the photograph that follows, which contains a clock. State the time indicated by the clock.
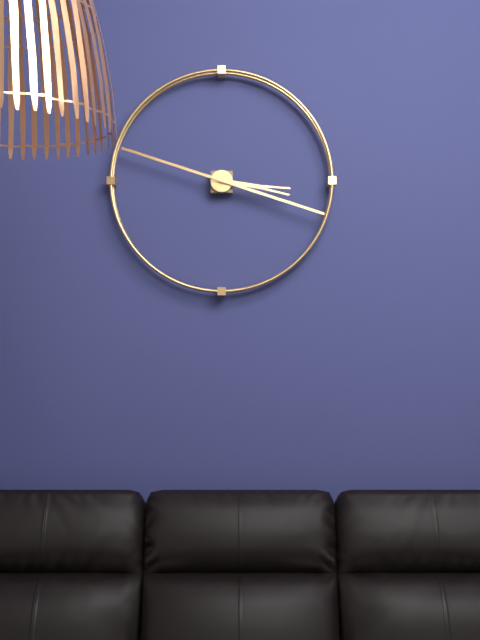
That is 3:18
